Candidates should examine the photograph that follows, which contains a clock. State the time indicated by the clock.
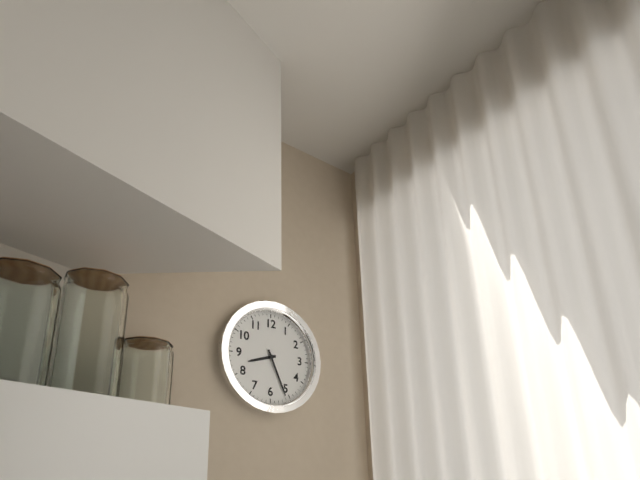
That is 8:26
